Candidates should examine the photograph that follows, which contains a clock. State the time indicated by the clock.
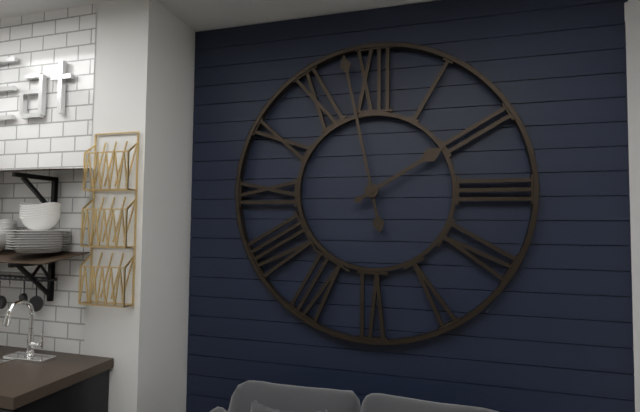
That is 1:58
